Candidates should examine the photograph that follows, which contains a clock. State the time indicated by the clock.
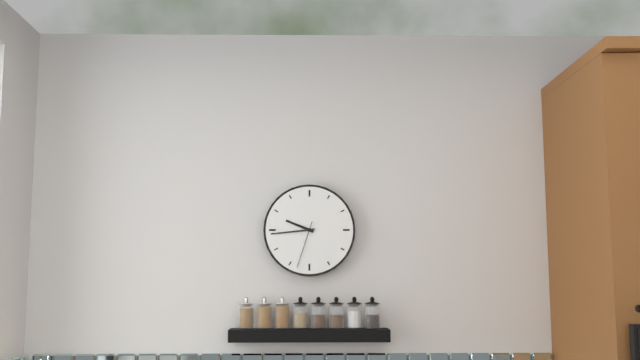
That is 9:44
